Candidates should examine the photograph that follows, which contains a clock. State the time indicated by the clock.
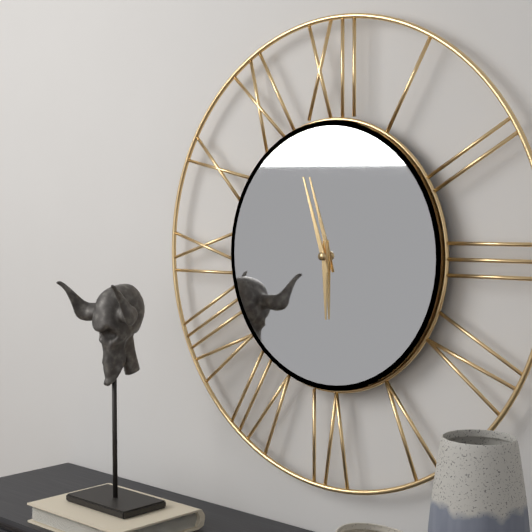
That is 5:57
